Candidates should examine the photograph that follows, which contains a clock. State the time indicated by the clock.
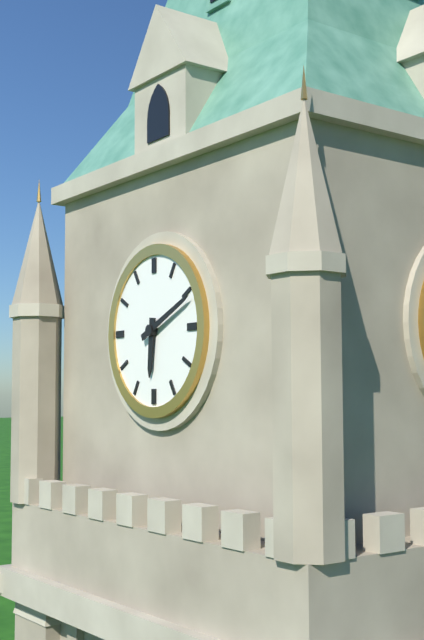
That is 6:11
